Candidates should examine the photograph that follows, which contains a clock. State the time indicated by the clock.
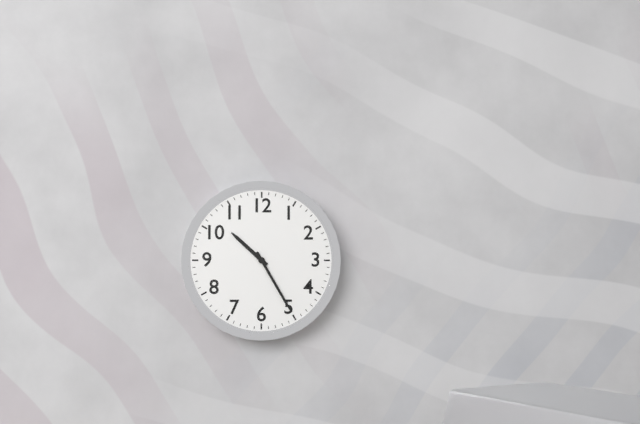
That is 10:25
